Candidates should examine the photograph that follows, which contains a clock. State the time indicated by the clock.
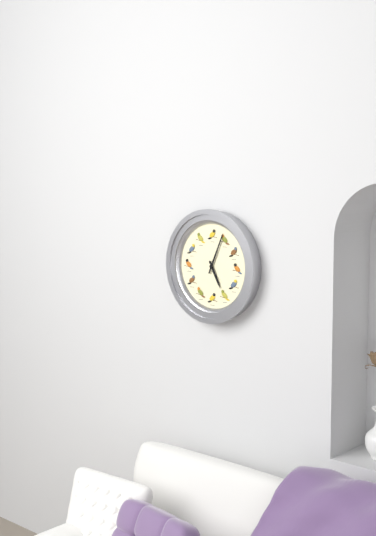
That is 5:04
